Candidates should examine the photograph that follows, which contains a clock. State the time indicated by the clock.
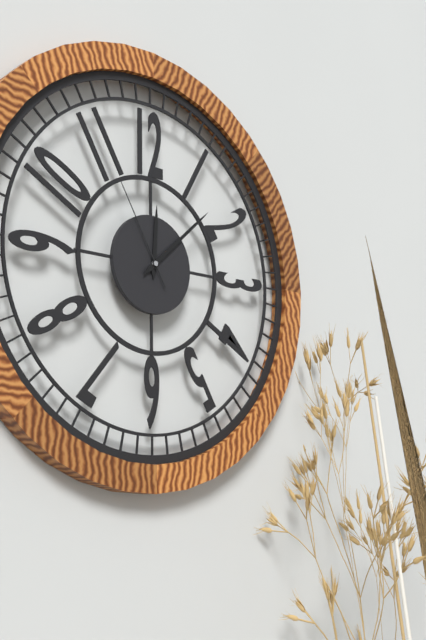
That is 12:08:55
